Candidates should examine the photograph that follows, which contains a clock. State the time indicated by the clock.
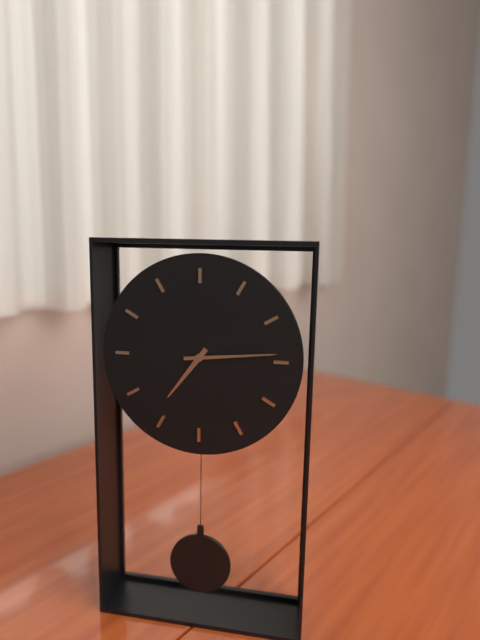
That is 7:14
